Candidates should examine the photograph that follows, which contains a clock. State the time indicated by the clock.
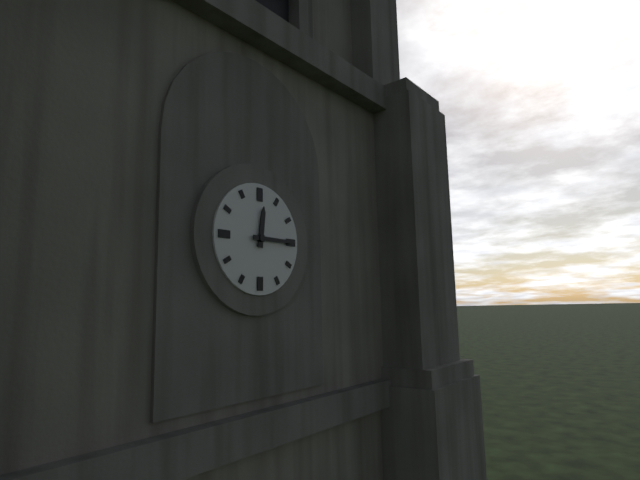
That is 12:15
